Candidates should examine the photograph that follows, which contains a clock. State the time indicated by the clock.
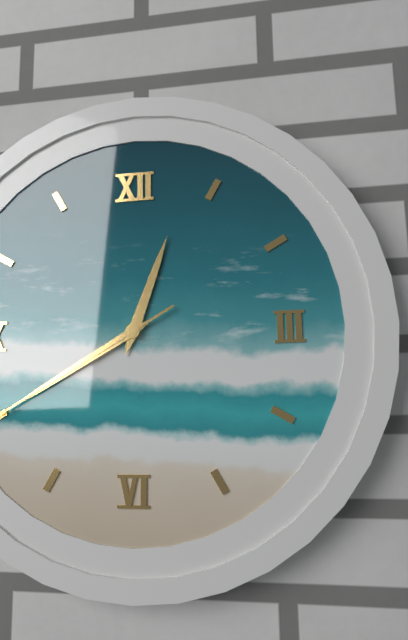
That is 12:40
